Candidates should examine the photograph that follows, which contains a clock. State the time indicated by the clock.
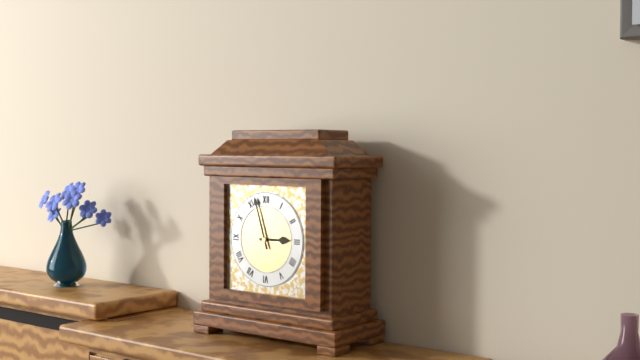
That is 2:57
